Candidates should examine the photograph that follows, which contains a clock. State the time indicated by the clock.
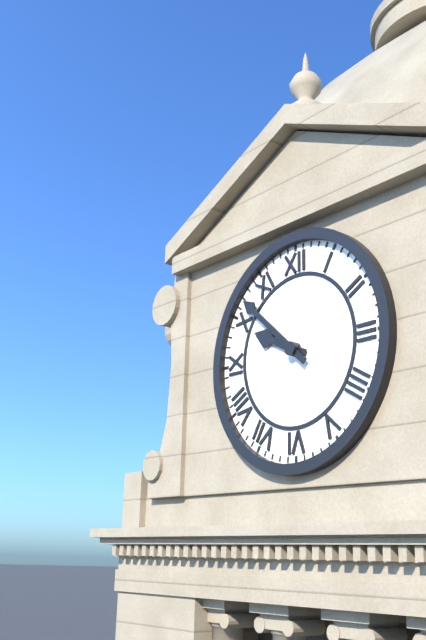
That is 9:52
